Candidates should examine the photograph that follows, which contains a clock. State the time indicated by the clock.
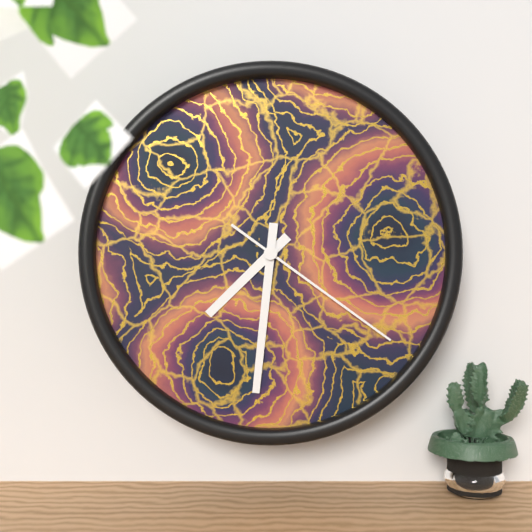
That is 7:31:21
